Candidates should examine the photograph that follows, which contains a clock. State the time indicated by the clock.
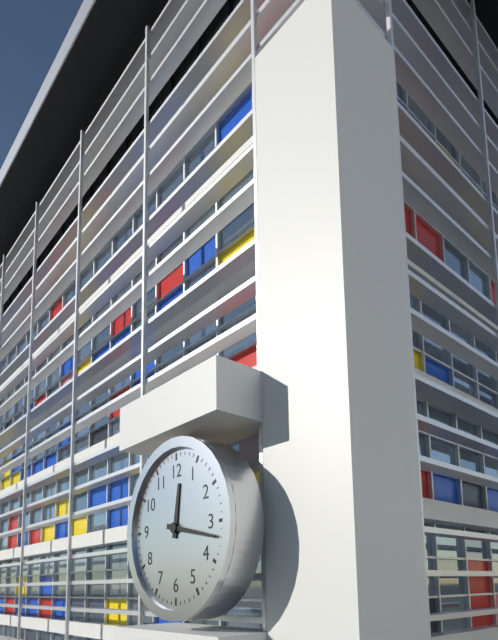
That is 12:17
